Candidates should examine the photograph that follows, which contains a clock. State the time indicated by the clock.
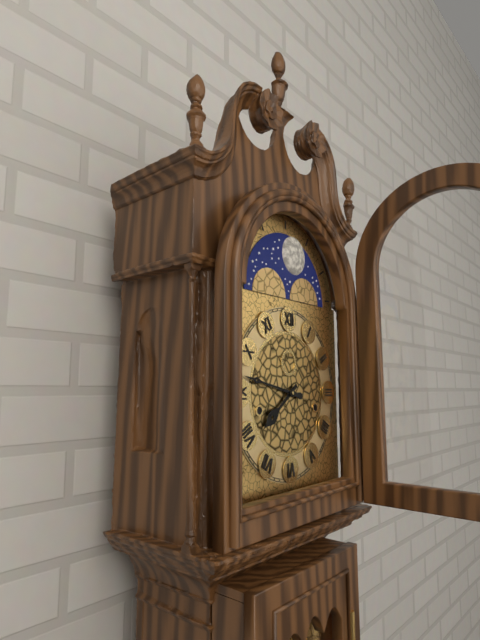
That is 7:47
